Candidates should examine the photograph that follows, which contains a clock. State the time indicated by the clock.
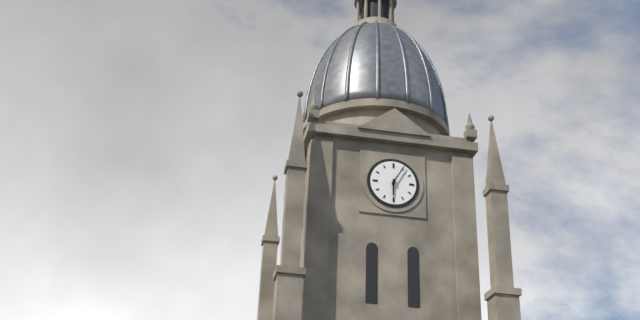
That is 6:05
